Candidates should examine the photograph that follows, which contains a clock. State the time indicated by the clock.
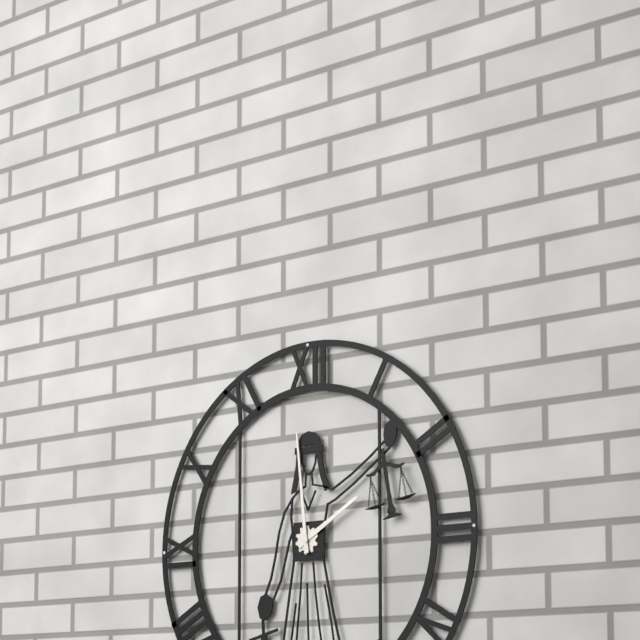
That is 1:59
